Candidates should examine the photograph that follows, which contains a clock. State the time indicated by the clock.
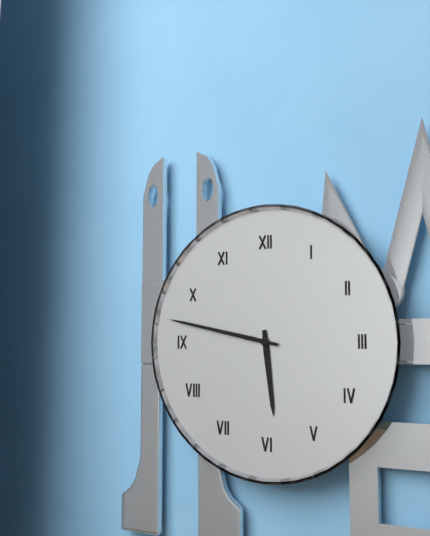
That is 5:47
